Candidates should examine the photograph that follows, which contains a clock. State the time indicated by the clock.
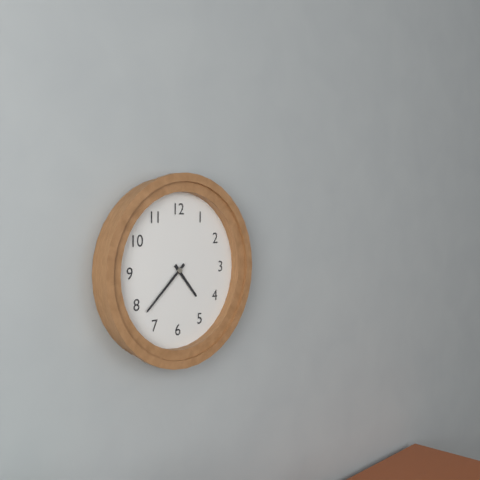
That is 4:38
